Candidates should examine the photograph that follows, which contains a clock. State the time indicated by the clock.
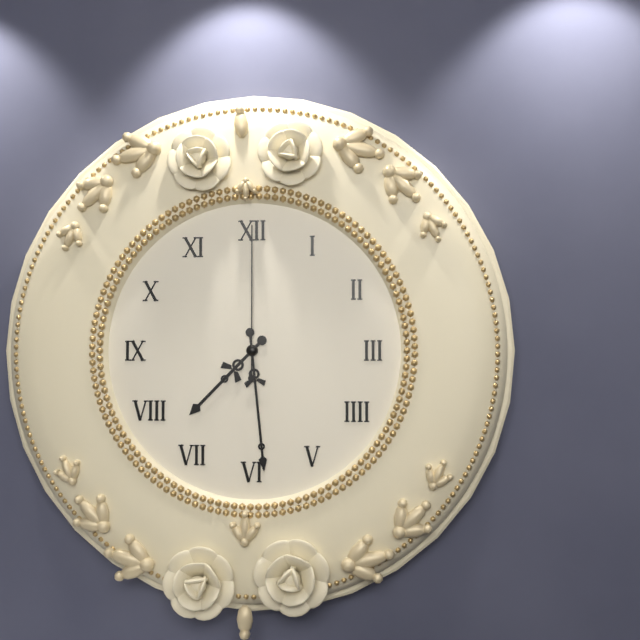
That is 7:29:00
